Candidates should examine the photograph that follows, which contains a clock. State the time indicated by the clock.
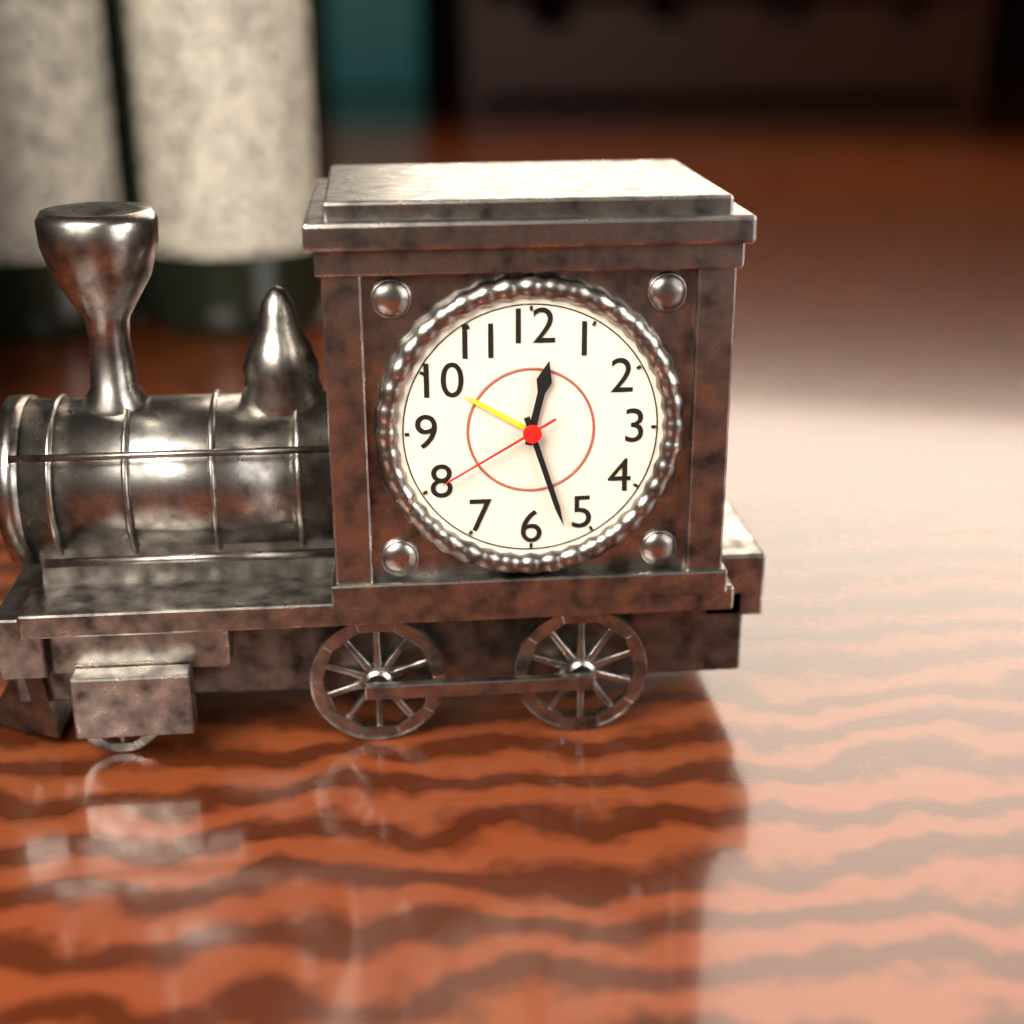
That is 12:27:40
